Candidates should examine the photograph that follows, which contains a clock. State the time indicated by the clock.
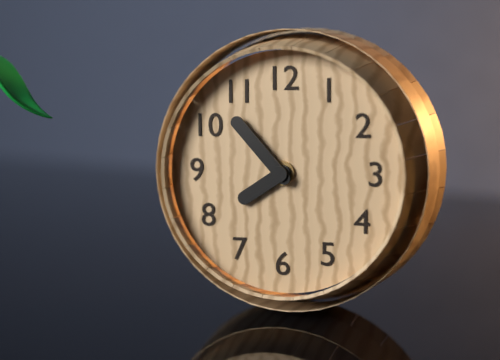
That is 7:53
